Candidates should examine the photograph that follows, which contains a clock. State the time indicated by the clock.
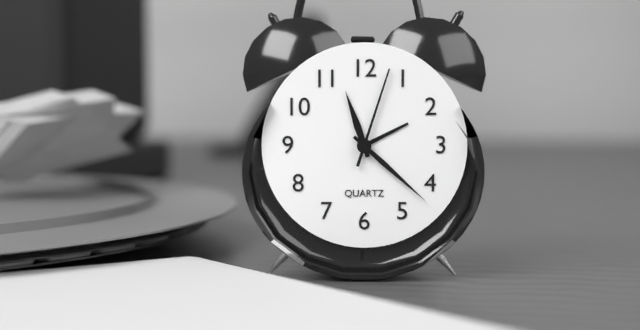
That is 11:22:03
